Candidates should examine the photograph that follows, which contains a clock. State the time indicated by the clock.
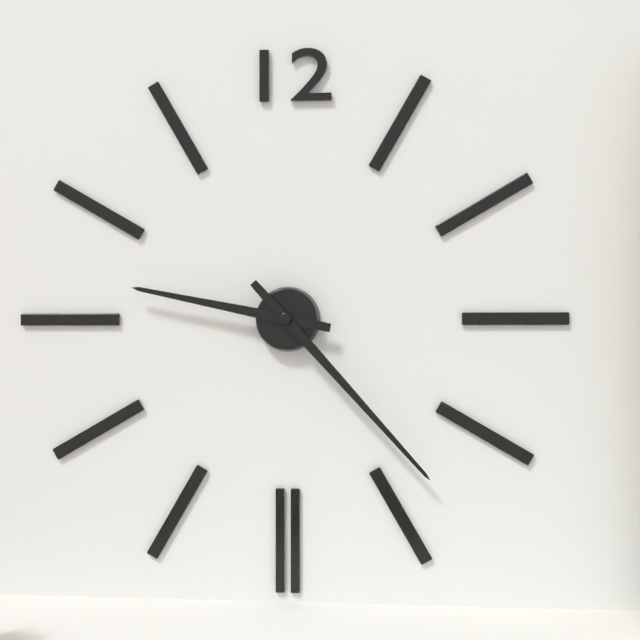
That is 9:23
